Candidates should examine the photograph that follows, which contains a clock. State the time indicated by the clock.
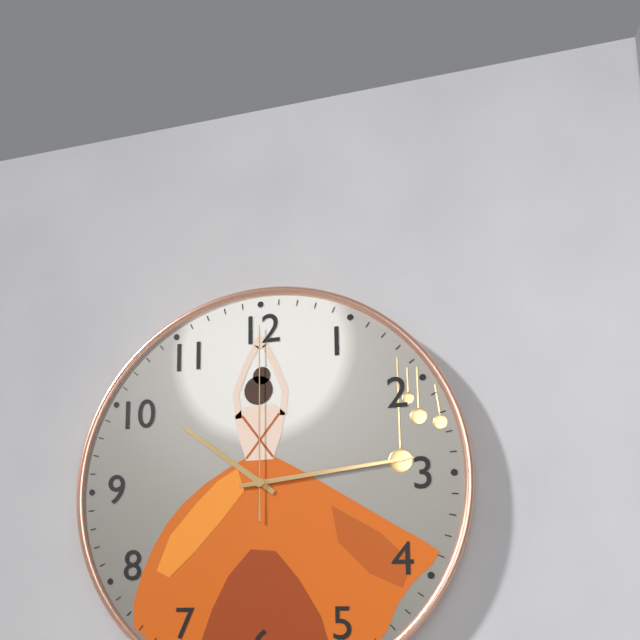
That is 10:14:00
